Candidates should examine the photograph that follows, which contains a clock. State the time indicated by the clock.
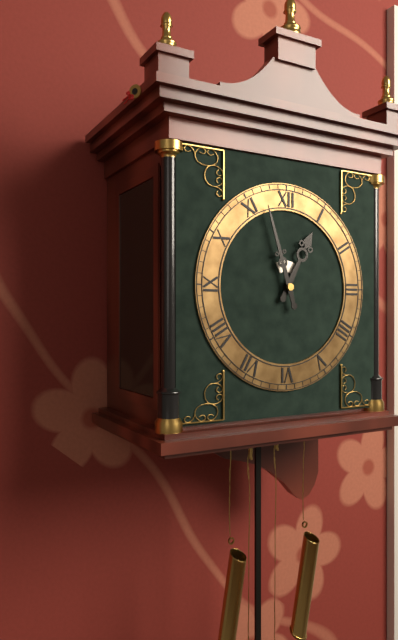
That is 12:57
